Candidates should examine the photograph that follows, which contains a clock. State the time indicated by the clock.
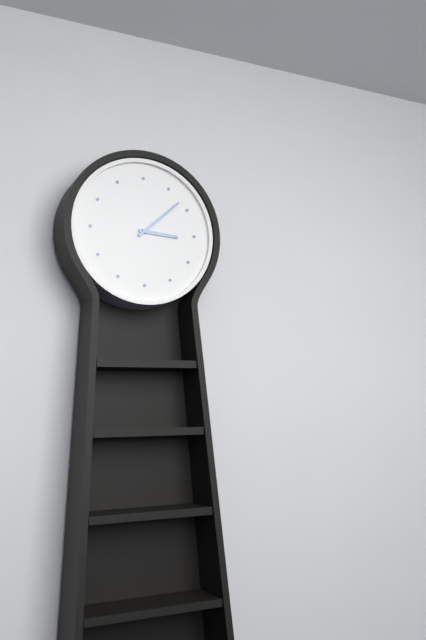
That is 3:08
